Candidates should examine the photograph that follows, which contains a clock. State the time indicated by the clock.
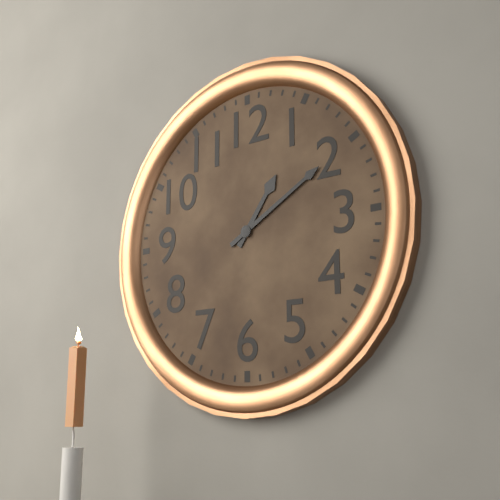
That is 1:10
